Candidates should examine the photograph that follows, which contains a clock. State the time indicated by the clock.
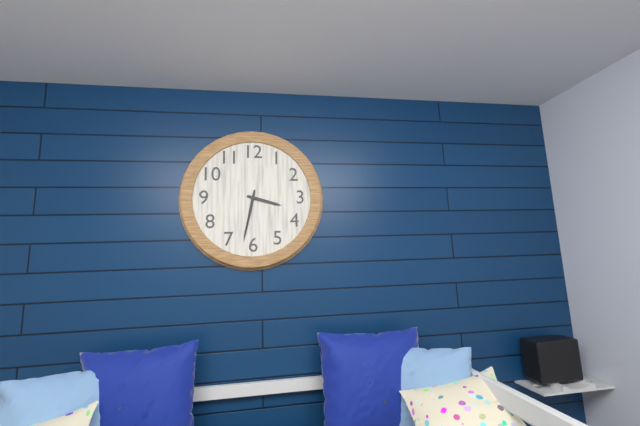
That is 3:32
